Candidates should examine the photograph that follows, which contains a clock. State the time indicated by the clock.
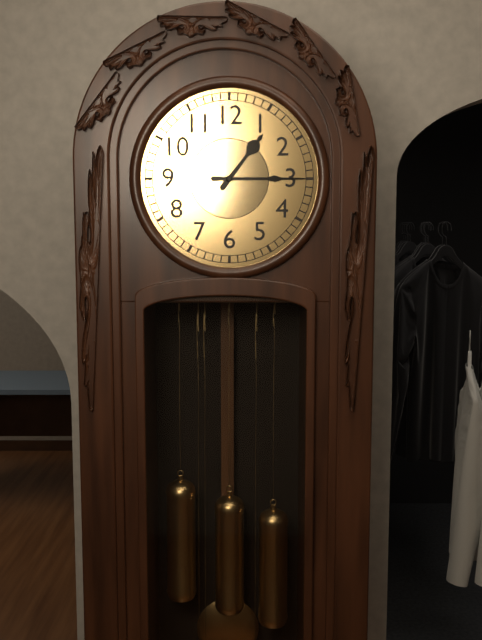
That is 1:15
